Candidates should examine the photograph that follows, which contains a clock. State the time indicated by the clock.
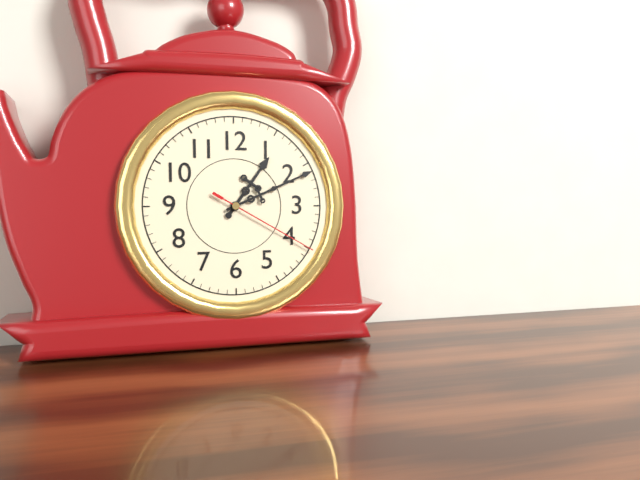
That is 1:11:20
